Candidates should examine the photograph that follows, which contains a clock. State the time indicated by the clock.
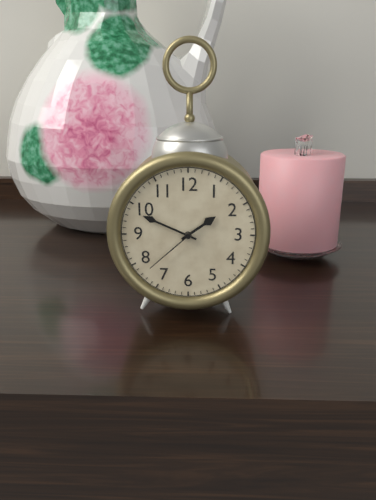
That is 1:49:38
